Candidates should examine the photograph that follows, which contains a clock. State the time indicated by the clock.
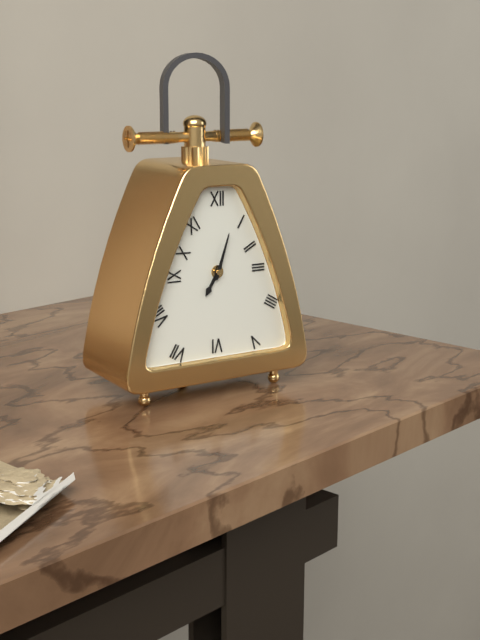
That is 7:03
